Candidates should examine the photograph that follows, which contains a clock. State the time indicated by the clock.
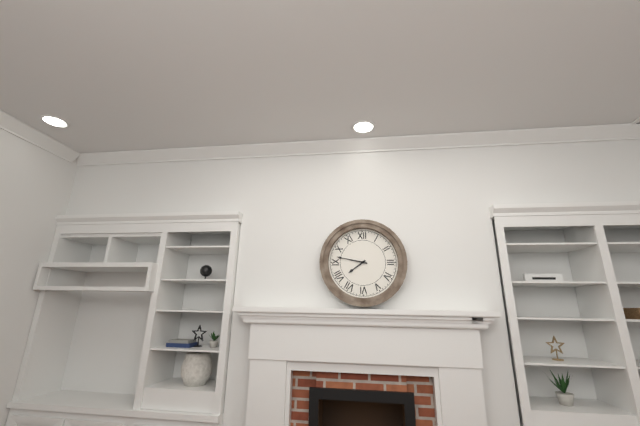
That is 7:47
